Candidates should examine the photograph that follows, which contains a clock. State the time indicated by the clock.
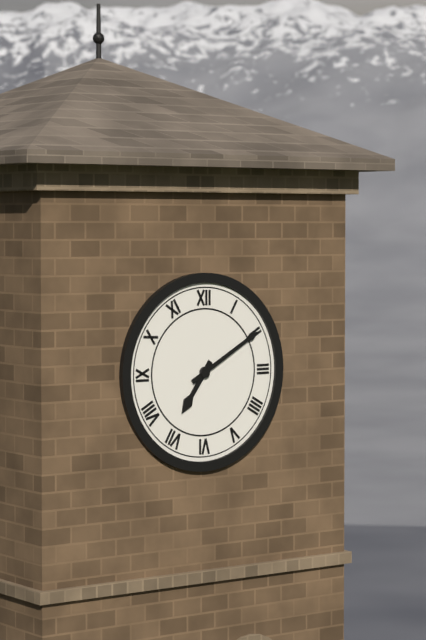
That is 7:10
